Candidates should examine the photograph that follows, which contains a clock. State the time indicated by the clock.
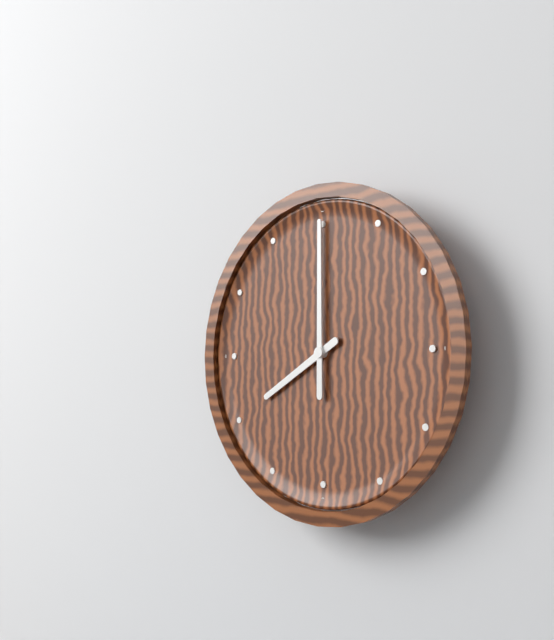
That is 8:00
